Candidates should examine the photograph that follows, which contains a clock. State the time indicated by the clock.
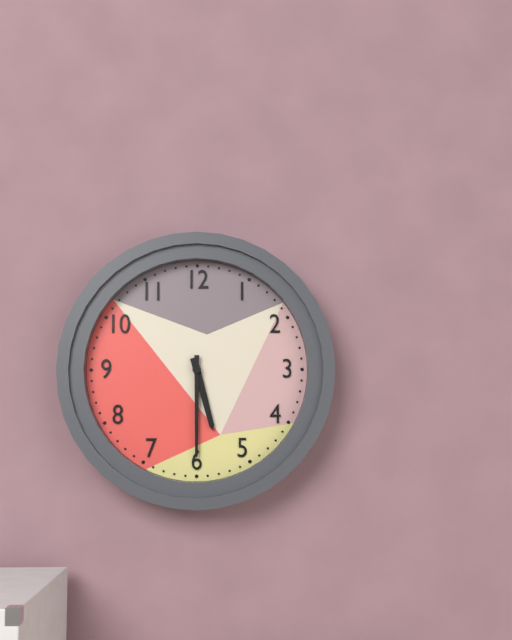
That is 5:30
